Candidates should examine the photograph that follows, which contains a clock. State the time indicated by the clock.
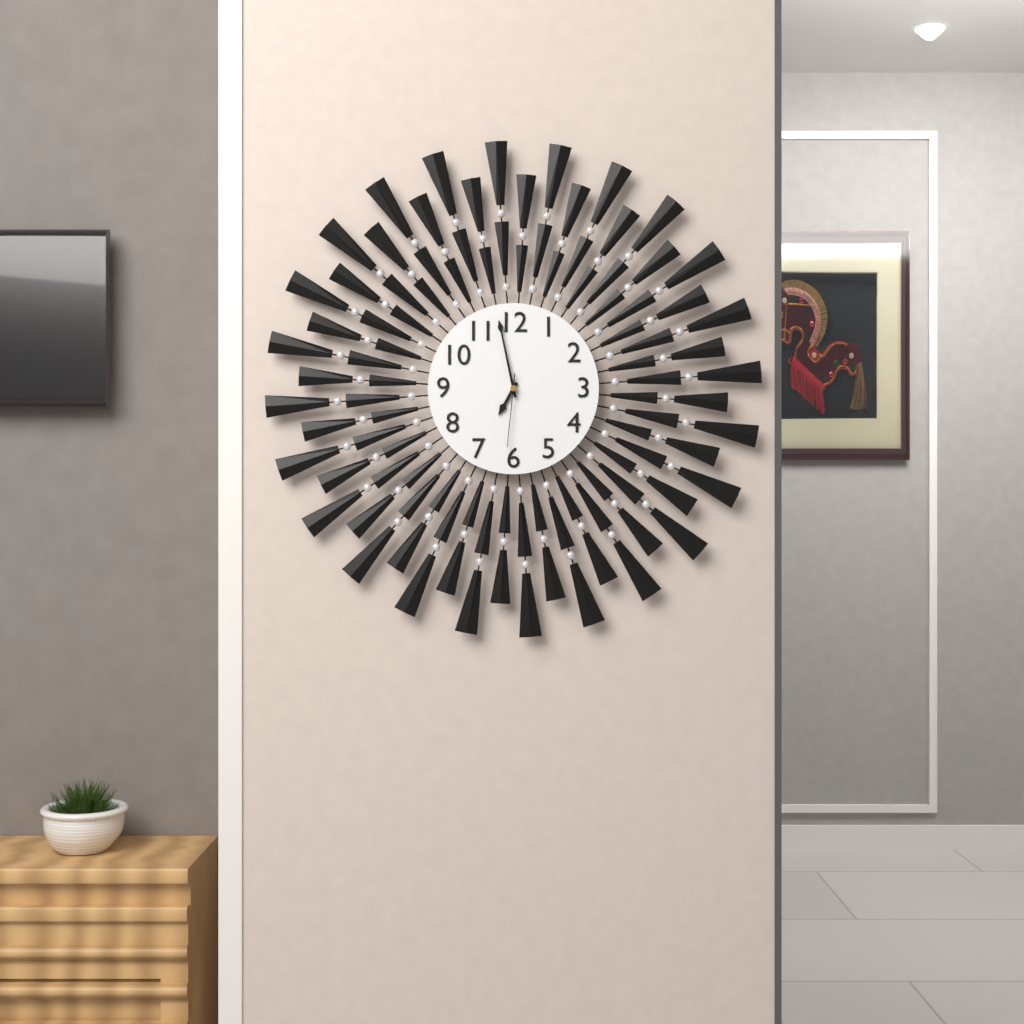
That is 6:58:31
